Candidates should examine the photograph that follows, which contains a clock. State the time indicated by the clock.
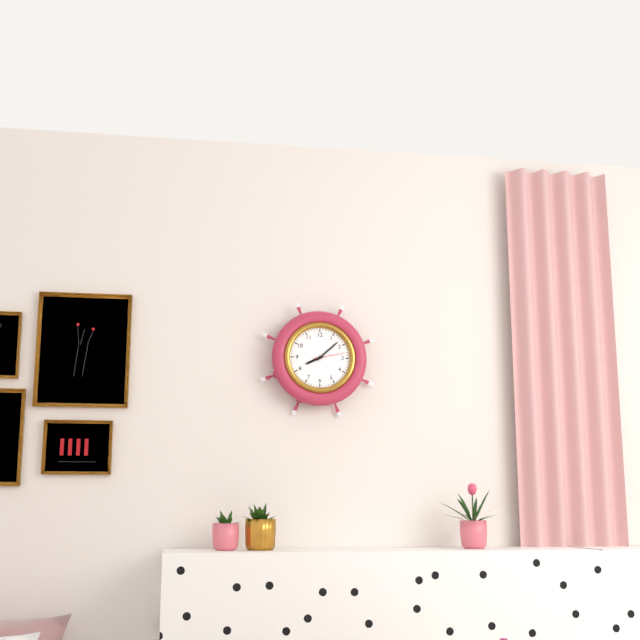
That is 8:08
